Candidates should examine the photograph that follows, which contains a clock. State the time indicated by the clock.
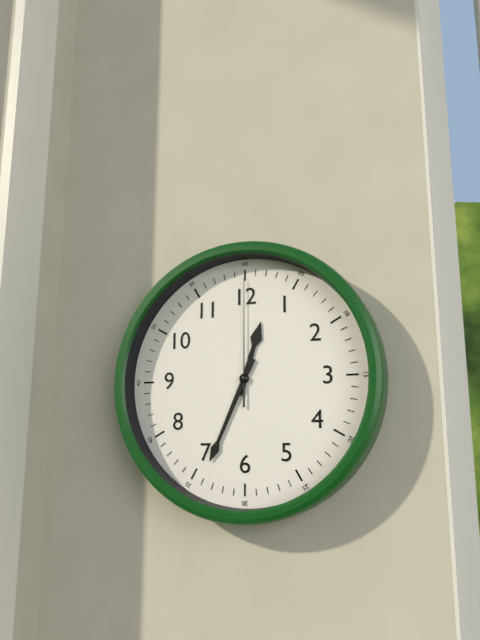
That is 12:34:00
